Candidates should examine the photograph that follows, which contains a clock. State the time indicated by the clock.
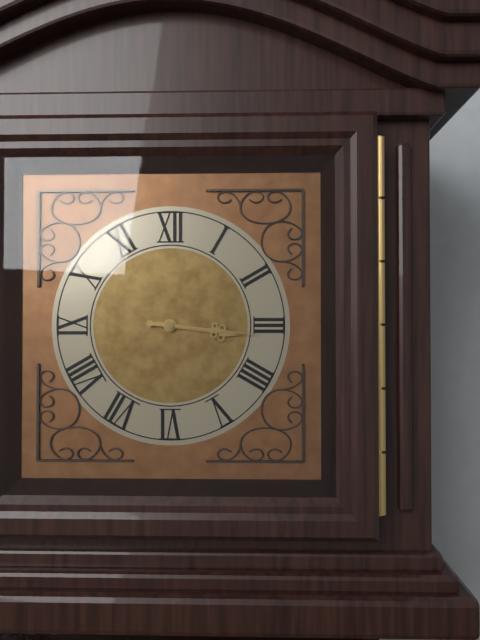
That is 3:16
